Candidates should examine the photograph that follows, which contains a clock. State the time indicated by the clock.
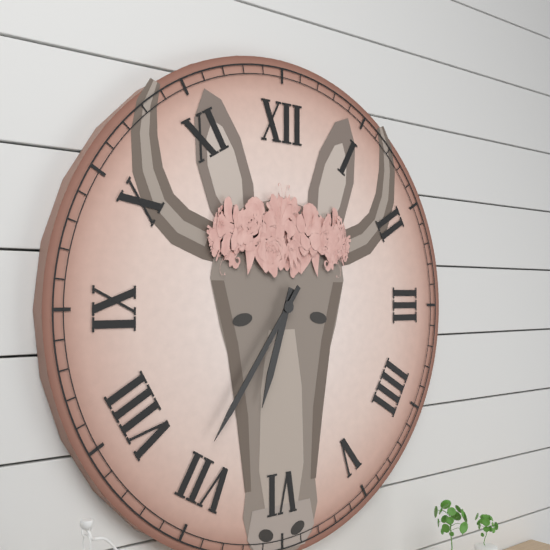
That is 6:36
